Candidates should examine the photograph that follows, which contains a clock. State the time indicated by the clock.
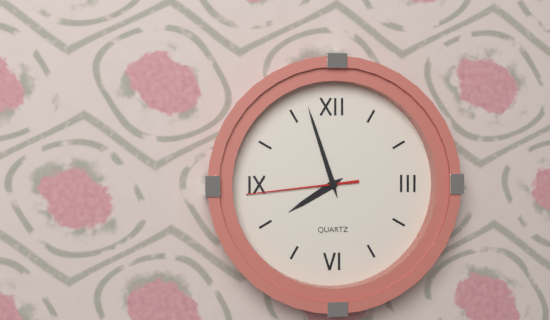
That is 7:57:44
